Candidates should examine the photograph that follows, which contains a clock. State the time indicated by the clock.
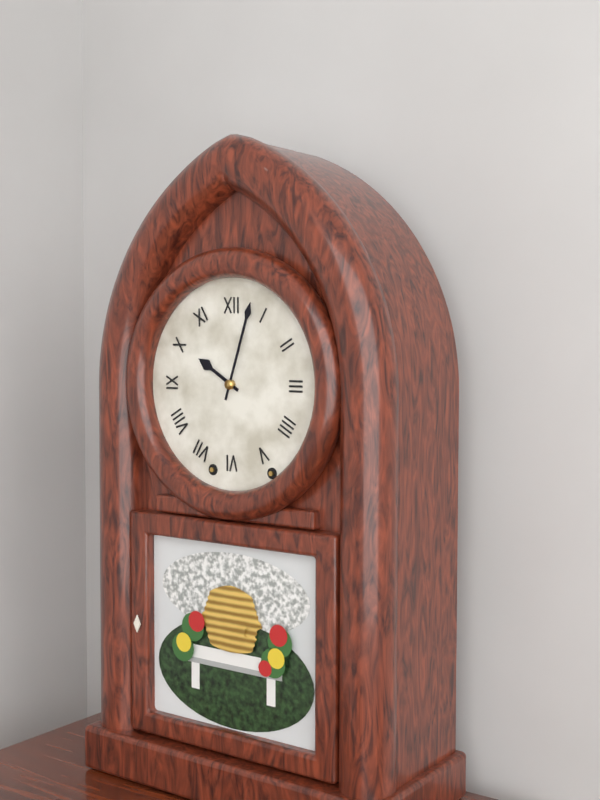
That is 10:03
